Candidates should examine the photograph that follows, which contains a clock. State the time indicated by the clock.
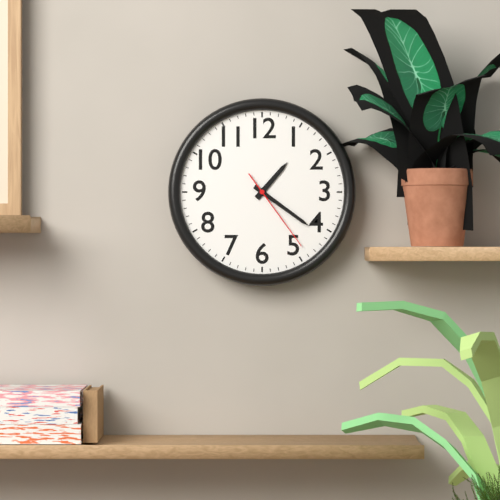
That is 1:21:24
